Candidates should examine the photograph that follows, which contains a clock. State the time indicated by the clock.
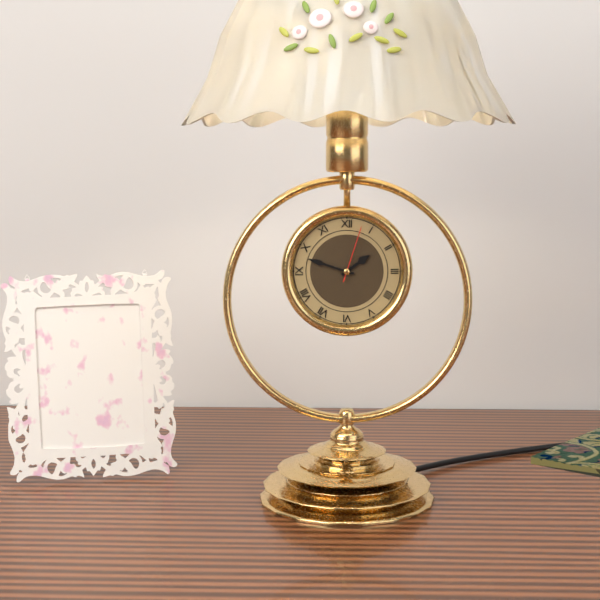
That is 1:48:03
